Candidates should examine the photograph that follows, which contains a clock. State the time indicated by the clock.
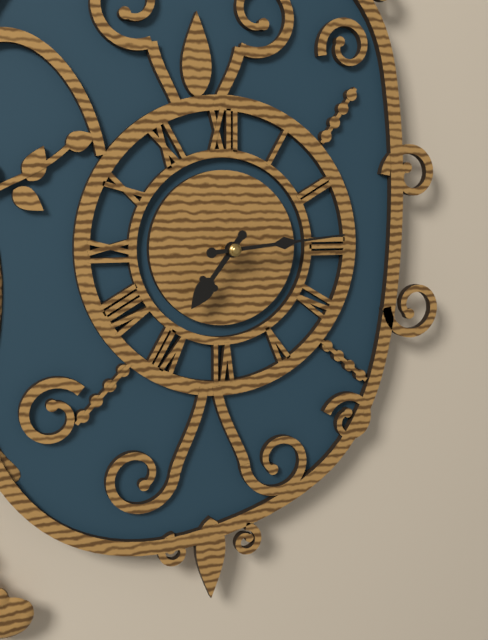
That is 7:14
